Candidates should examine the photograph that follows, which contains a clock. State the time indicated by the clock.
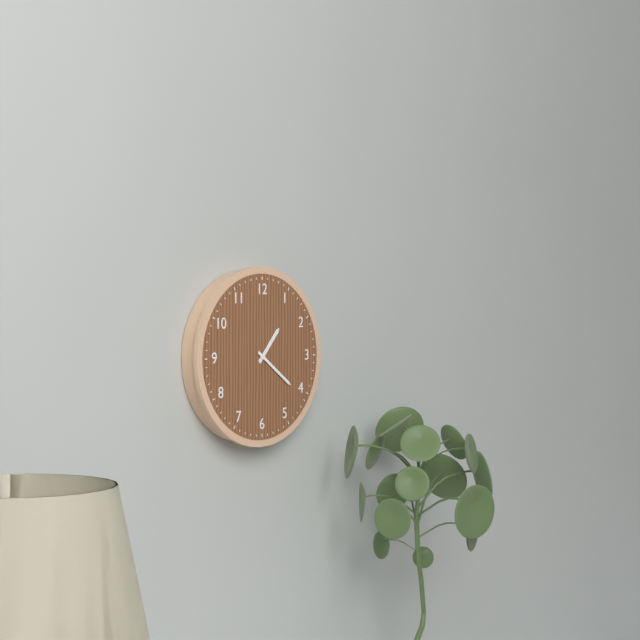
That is 1:21
